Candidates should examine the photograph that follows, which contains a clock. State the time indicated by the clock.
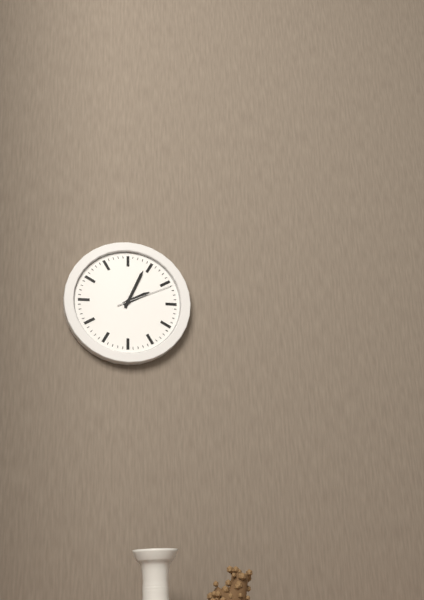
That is 2:04:11
